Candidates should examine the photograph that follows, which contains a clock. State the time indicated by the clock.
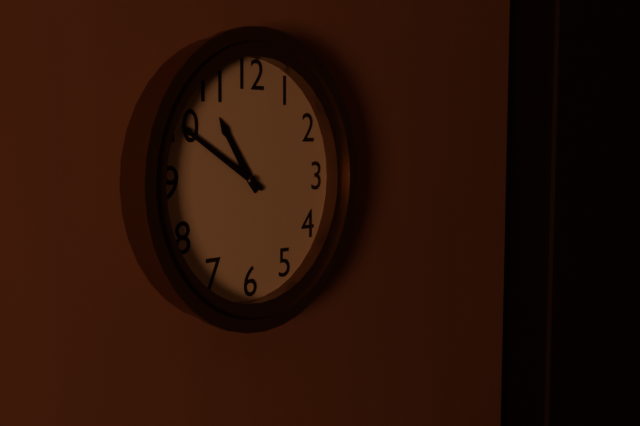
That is 10:50
